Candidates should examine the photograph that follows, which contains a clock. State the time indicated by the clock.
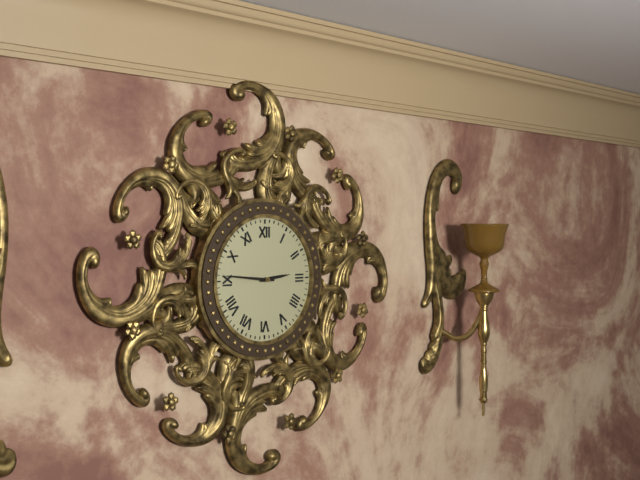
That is 2:46
